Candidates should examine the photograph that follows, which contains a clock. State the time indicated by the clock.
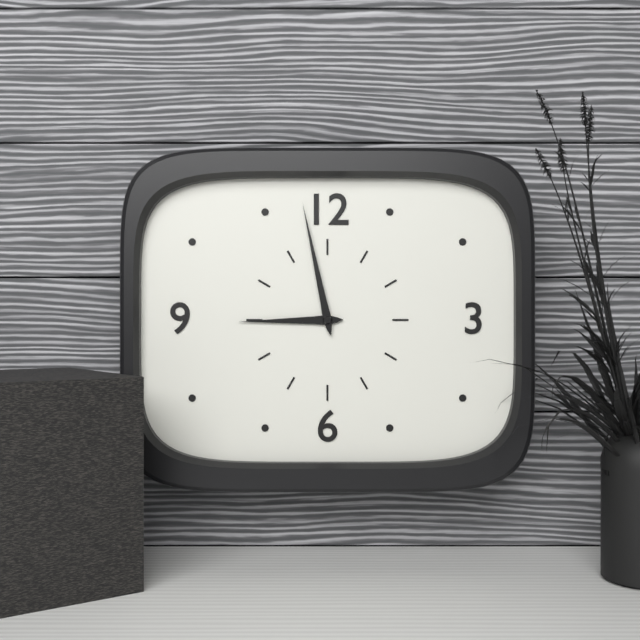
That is 8:58
